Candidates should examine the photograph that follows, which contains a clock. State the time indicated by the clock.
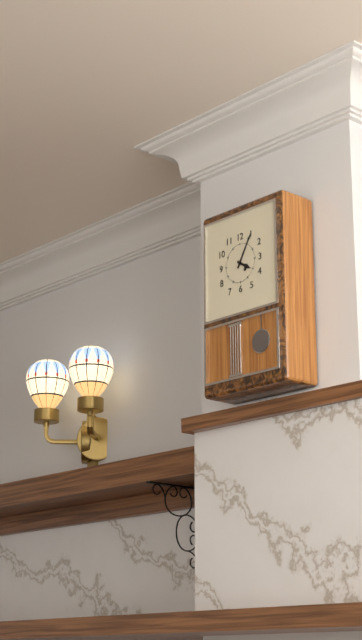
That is 4:05
